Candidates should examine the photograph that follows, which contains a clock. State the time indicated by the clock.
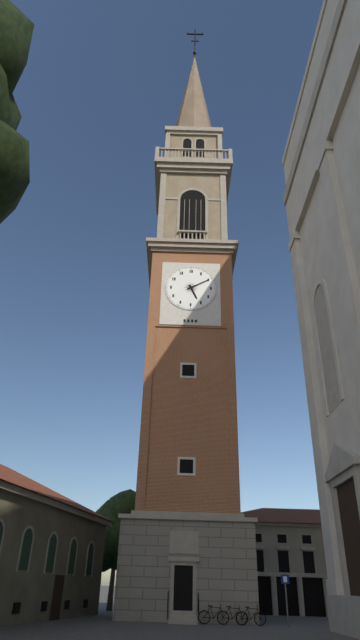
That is 5:10
